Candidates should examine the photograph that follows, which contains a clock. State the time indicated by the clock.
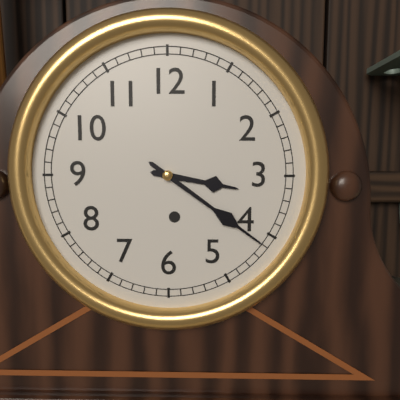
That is 3:21
